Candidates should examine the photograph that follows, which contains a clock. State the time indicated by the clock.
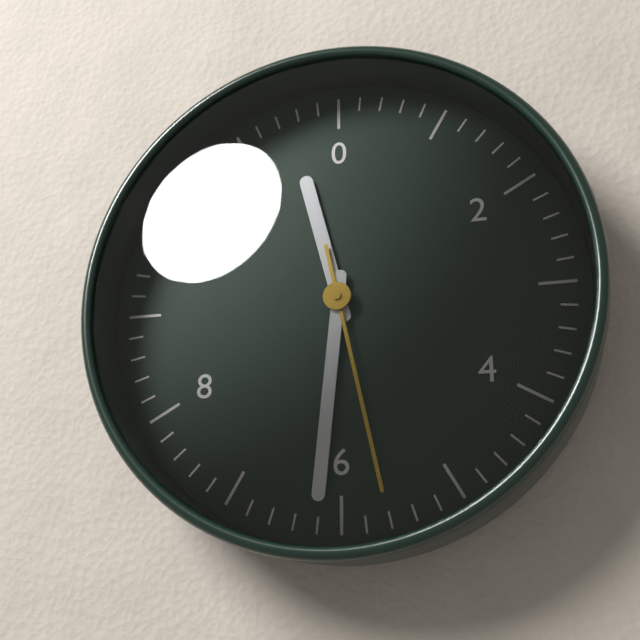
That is 11:31:28
